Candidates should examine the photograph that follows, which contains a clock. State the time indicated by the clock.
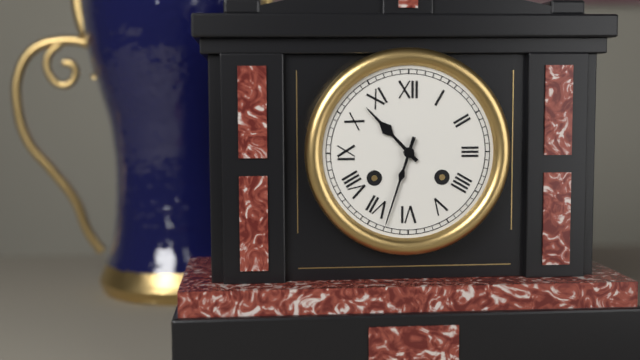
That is 10:33
